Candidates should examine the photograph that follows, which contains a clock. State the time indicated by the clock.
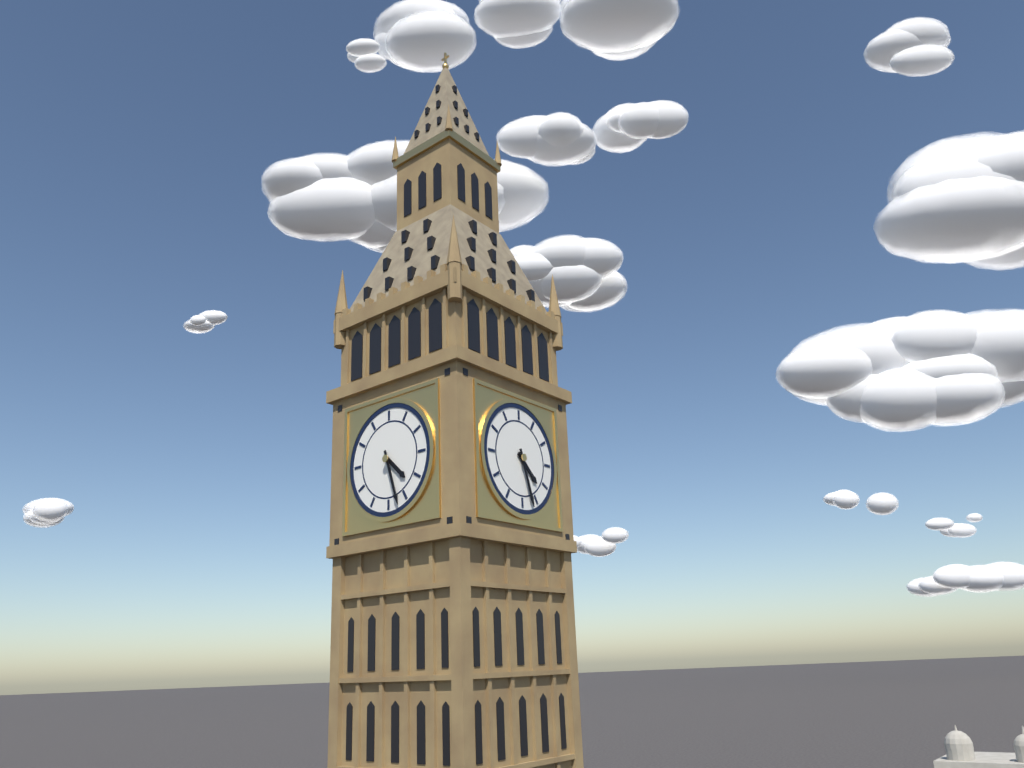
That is 4:27
